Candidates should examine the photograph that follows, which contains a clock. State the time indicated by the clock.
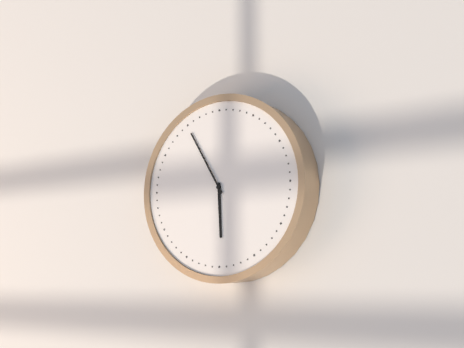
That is 5:55
